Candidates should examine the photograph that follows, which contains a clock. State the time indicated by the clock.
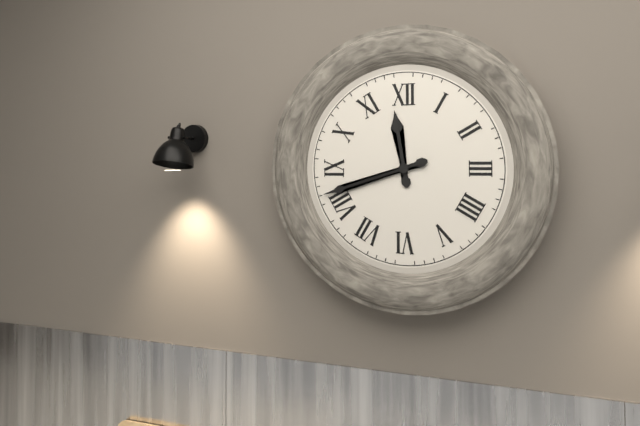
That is 11:42
